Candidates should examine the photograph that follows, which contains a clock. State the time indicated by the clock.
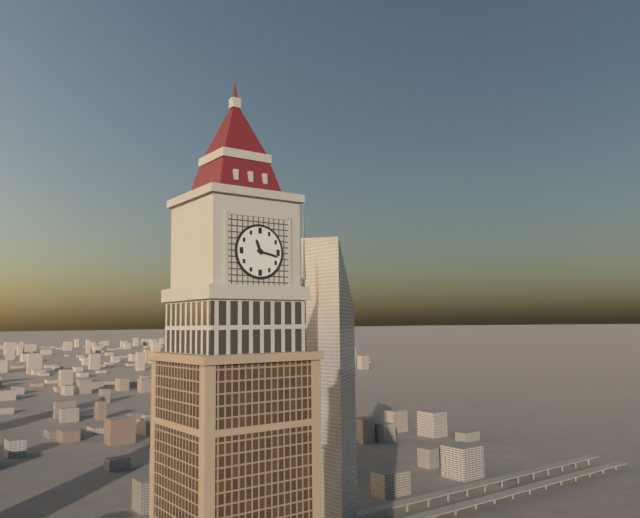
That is 11:17
